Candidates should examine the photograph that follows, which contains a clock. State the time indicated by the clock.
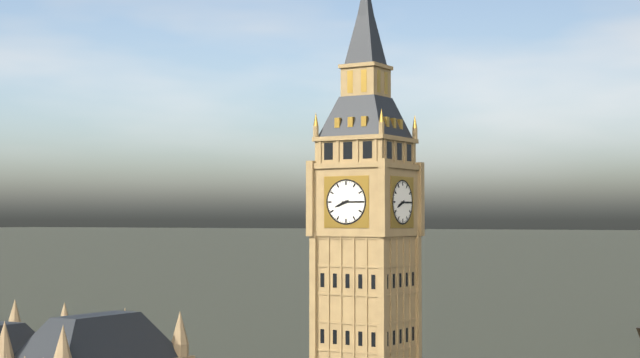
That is 8:15
